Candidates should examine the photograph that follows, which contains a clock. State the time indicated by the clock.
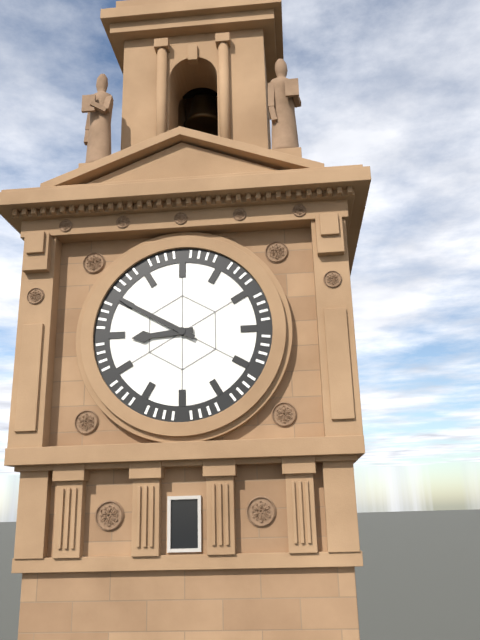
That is 8:50
